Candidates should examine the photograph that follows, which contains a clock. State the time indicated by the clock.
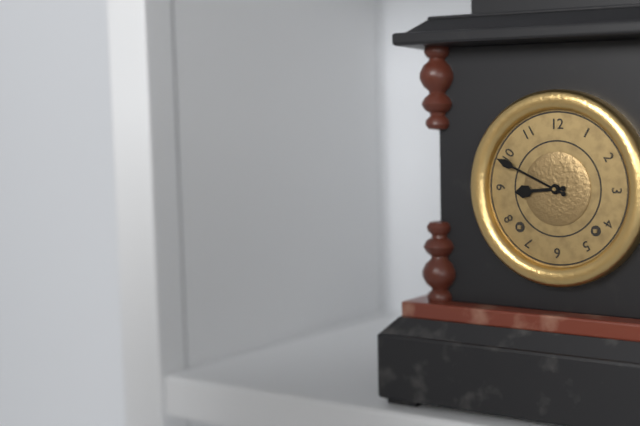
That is 8:49
